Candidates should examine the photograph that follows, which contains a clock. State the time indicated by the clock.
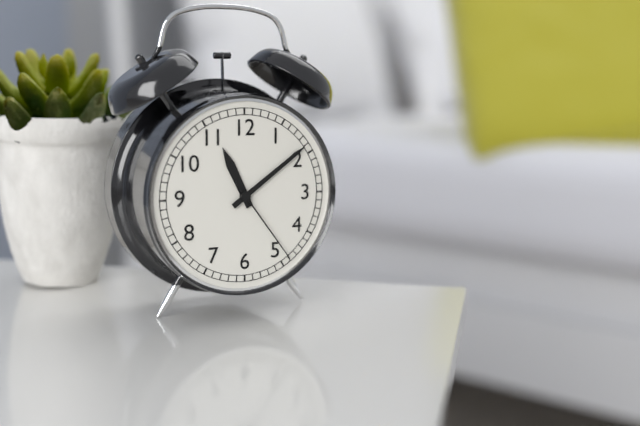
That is 11:09:24
